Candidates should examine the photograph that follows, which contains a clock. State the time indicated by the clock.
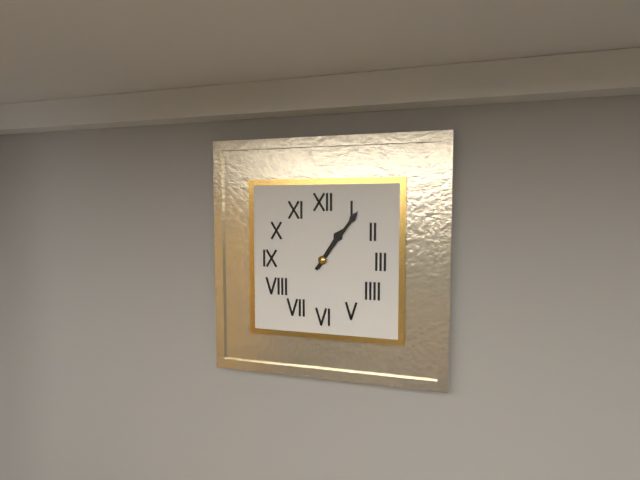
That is 1:06
